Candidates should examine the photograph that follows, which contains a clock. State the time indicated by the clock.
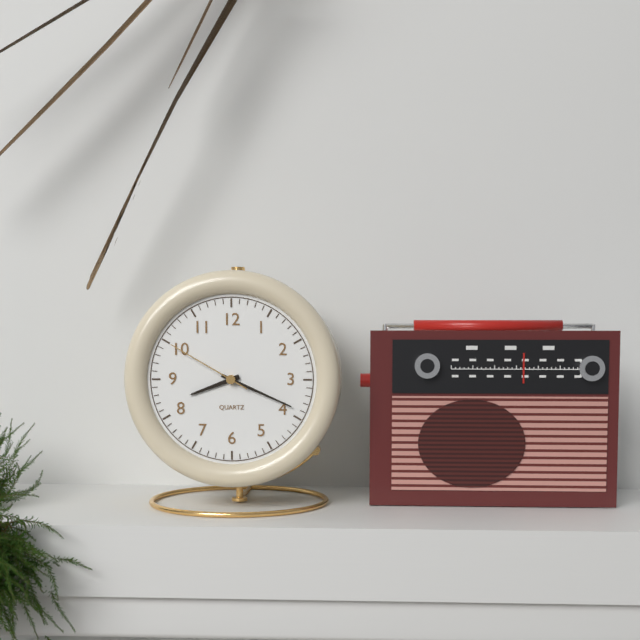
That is 8:19:50
